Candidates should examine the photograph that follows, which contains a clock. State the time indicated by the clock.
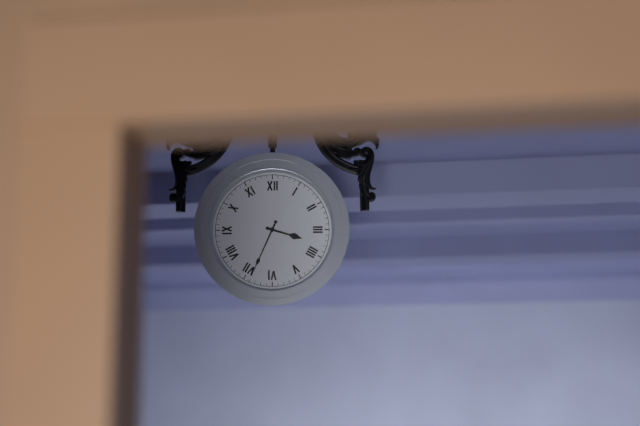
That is 3:34
